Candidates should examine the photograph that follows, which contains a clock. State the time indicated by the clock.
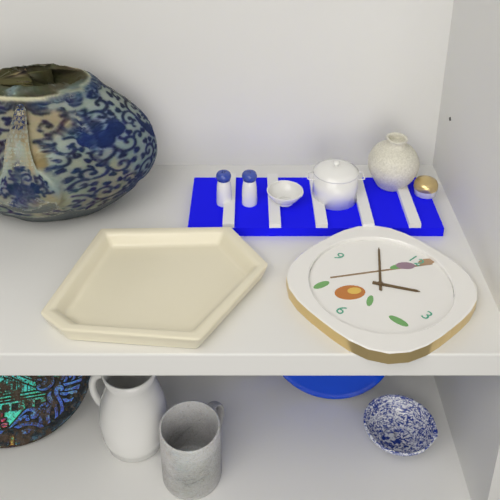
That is 1:53
